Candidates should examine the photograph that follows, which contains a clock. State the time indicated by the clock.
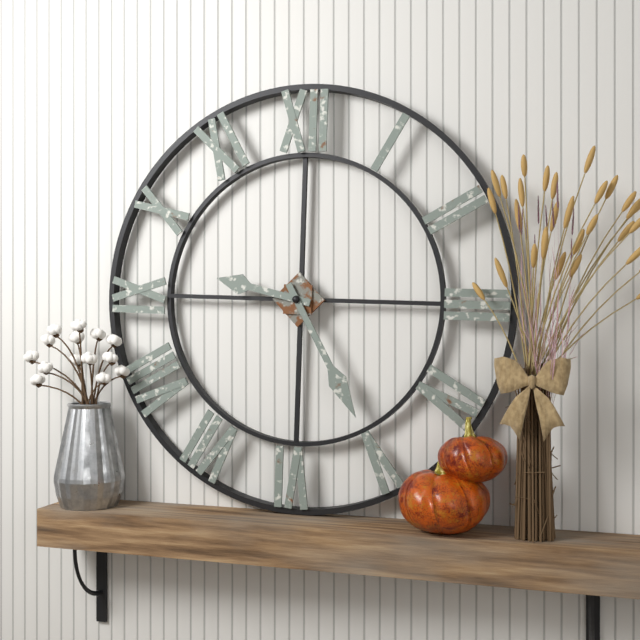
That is 9:25
